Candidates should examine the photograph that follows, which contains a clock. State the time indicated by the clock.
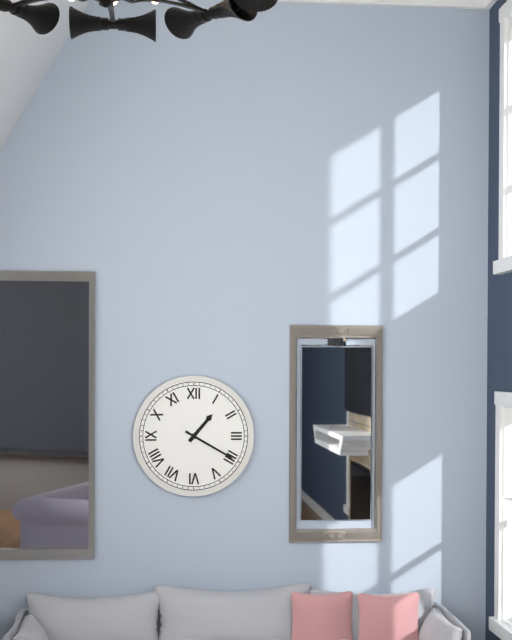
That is 1:20
